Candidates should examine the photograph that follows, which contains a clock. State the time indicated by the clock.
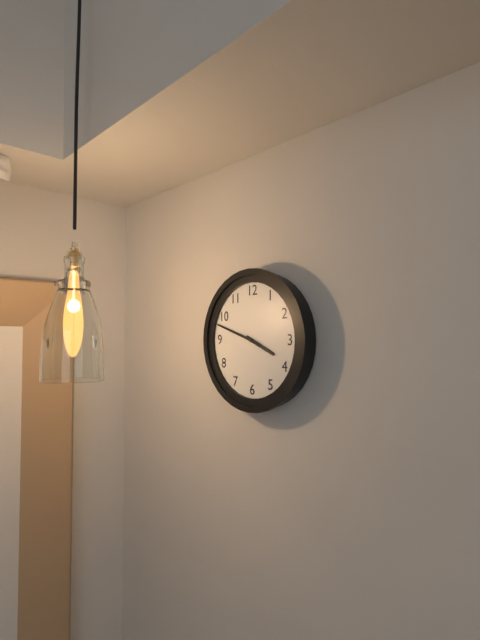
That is 3:48
